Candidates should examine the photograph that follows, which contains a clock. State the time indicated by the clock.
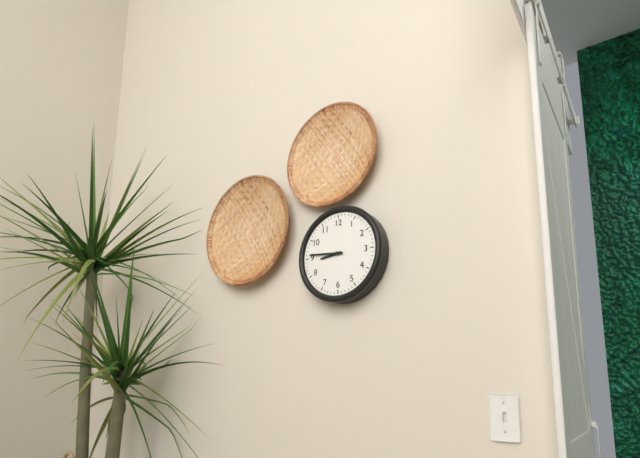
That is 8:46
